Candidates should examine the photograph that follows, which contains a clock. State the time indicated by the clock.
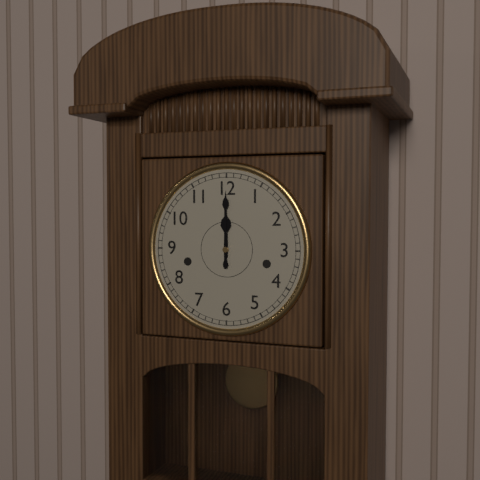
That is 12:00
